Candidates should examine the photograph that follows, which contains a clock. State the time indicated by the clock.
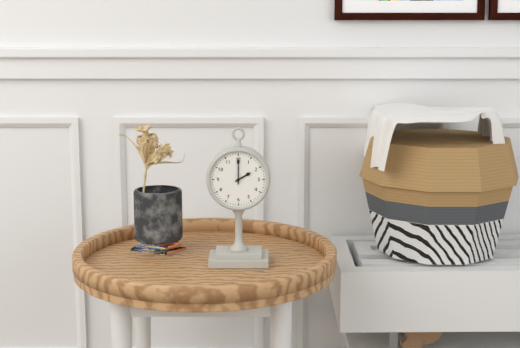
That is 2:00
